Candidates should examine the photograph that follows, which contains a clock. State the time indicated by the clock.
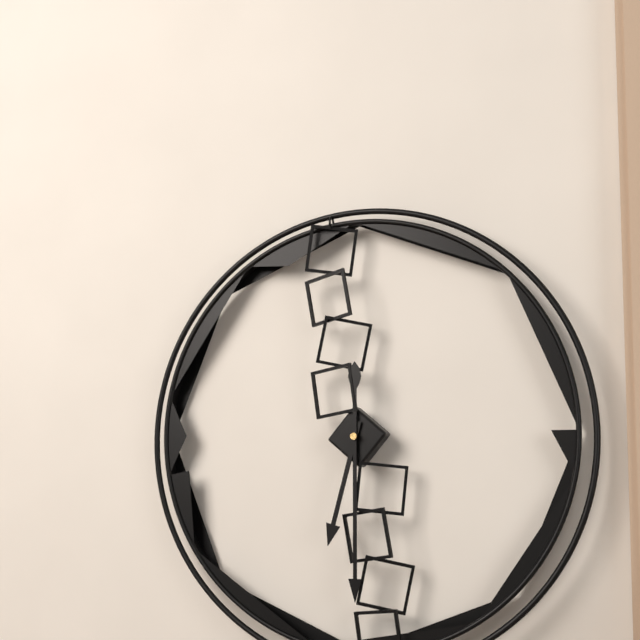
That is 6:30
